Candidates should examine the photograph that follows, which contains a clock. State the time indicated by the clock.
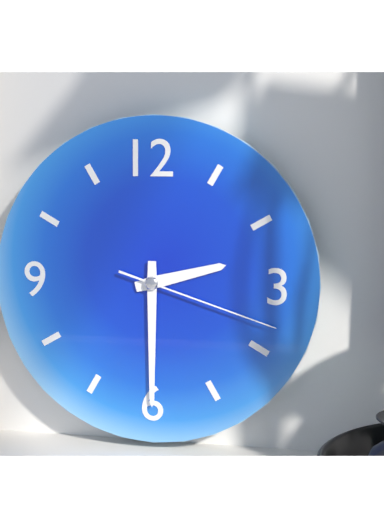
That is 2:30:18
